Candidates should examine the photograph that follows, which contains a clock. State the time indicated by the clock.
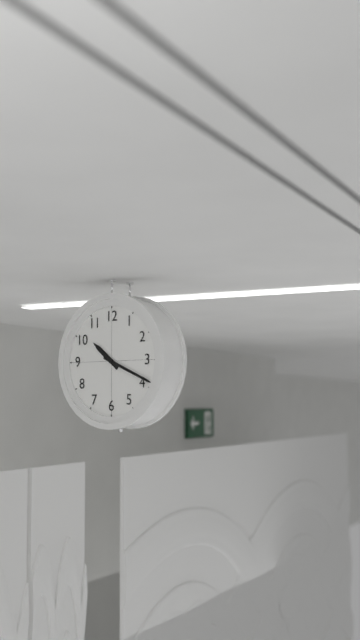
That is 10:19
